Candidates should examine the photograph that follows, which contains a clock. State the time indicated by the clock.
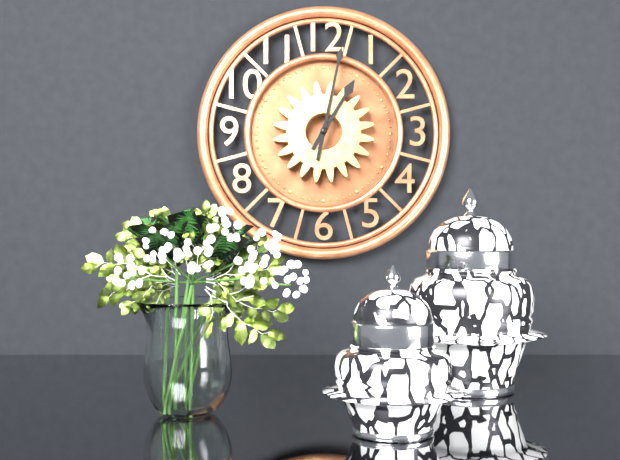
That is 1:02
